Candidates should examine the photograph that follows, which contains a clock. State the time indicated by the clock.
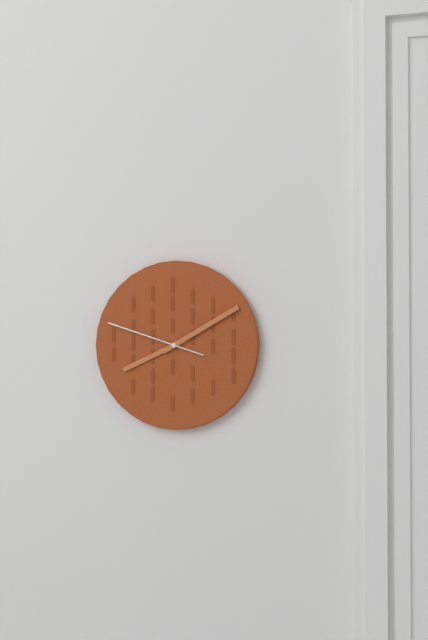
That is 8:10:48
